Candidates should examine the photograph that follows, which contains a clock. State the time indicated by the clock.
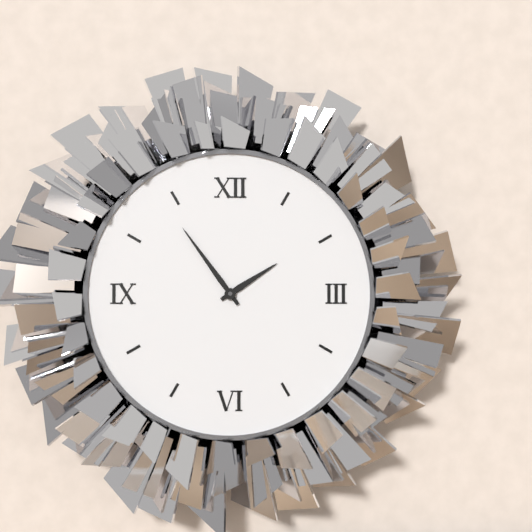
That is 1:54
